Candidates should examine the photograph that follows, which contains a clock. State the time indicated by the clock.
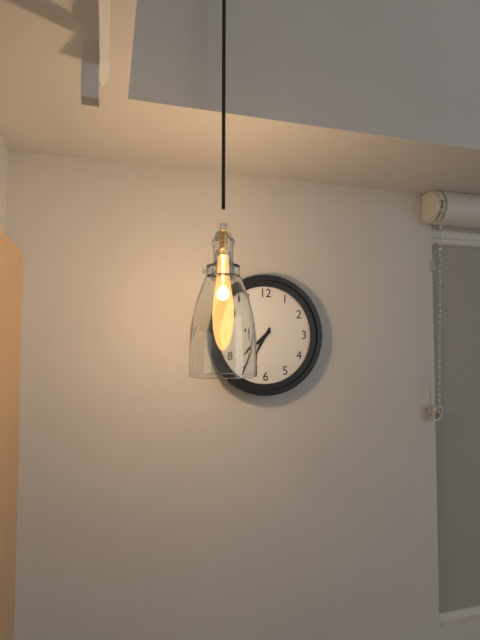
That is 7:35
